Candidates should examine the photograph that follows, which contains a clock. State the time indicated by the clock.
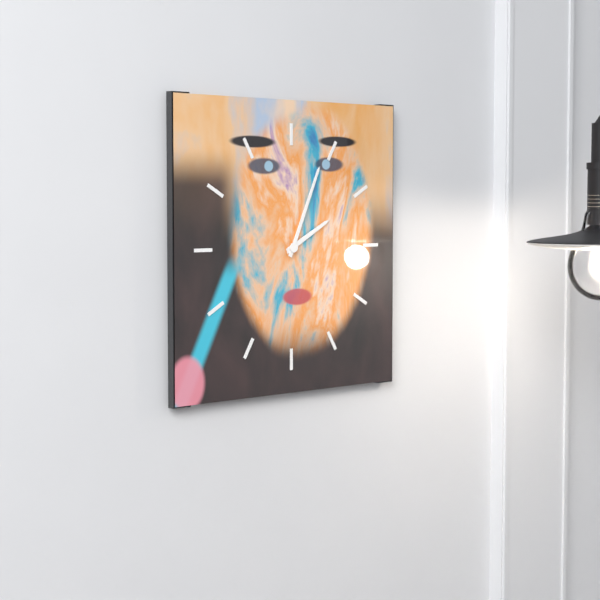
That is 2:04
